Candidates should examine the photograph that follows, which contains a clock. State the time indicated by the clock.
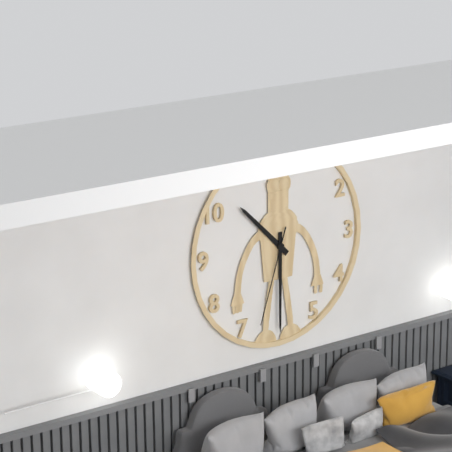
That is 10:30:33
